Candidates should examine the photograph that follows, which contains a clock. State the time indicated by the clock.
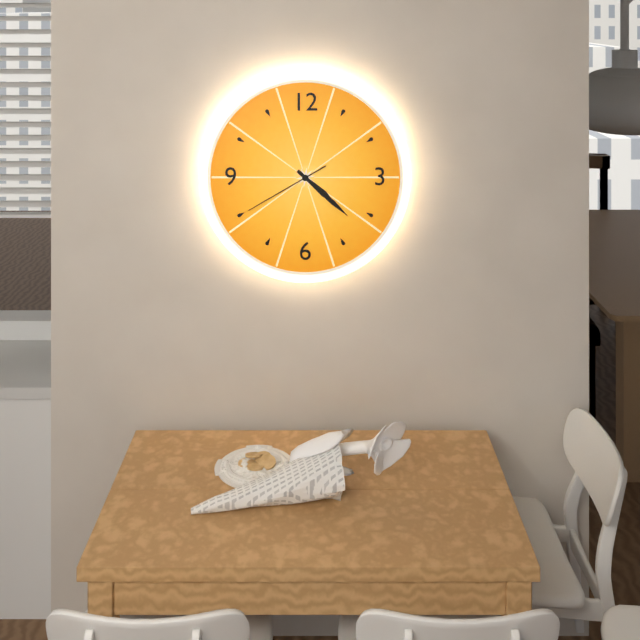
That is 4:22:40
